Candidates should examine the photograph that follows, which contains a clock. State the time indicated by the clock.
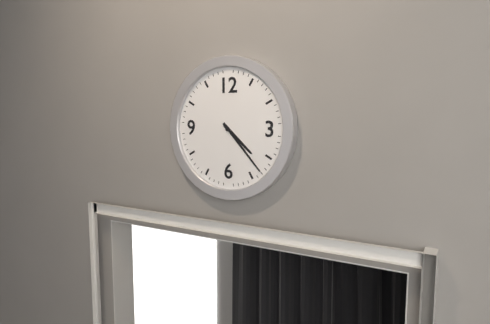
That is 4:23
